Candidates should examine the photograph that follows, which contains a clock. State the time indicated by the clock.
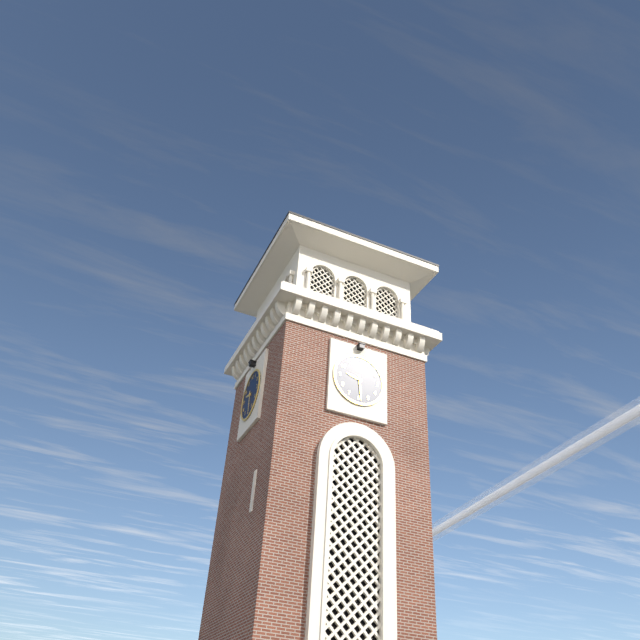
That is 9:29
